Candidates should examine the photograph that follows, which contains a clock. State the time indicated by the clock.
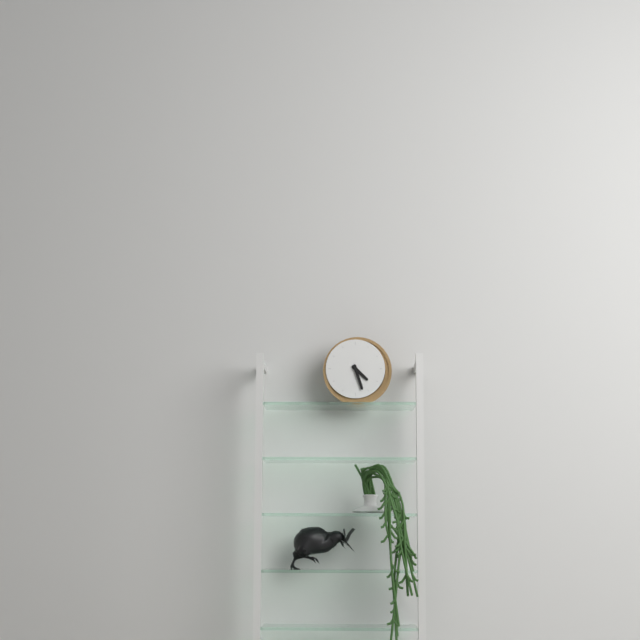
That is 4:27
